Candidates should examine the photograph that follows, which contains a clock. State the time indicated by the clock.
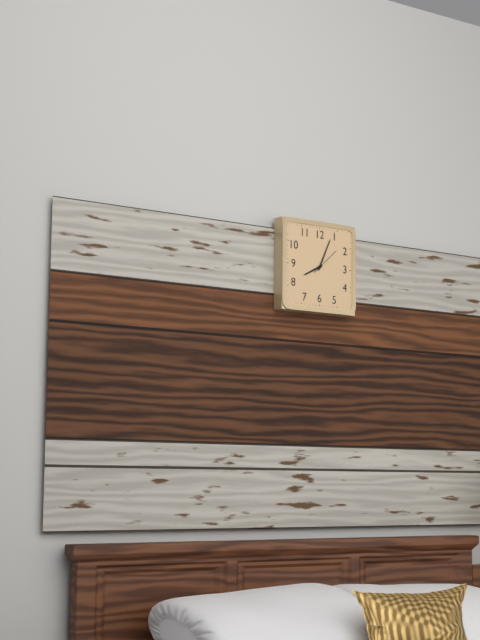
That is 8:04
